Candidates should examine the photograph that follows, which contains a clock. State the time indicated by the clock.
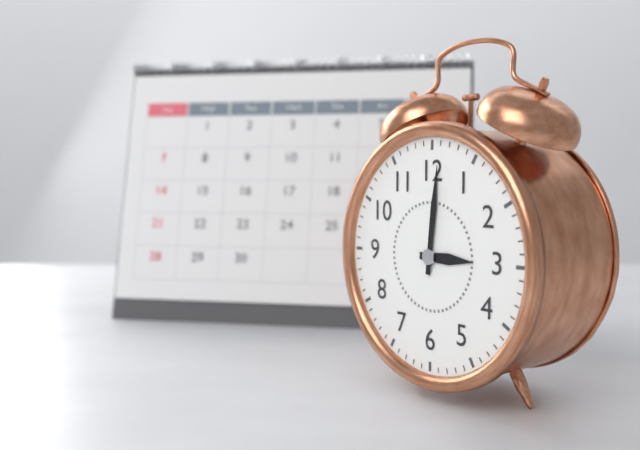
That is 3:01
